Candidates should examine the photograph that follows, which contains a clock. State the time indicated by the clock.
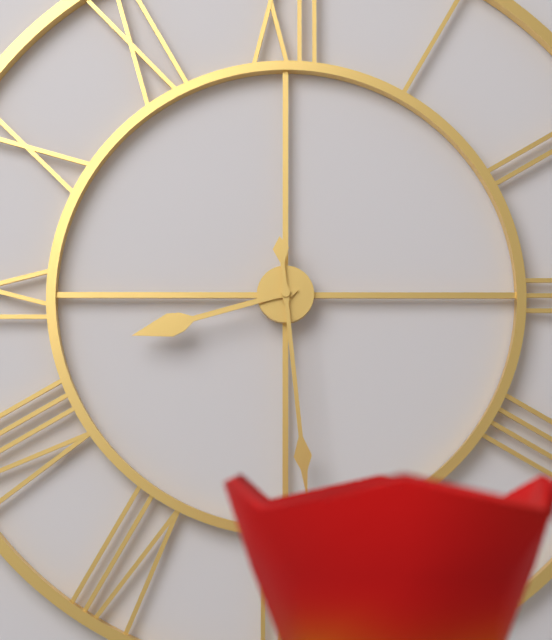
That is 8:29
